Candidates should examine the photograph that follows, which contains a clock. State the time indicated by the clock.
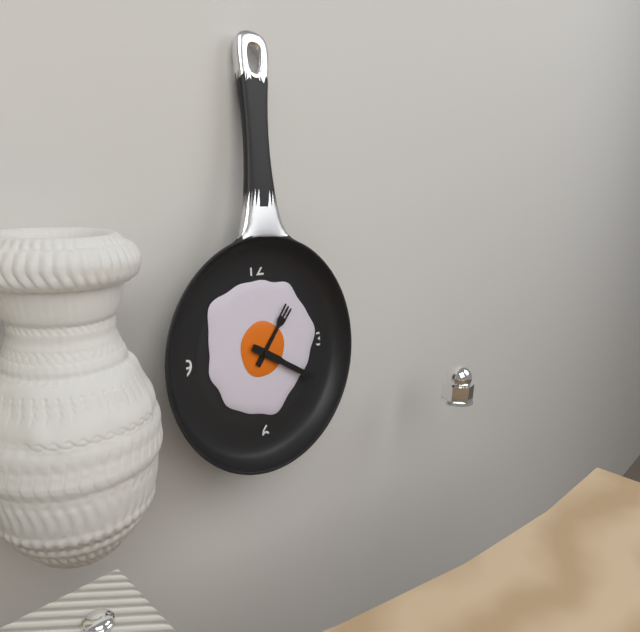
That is 1:20
